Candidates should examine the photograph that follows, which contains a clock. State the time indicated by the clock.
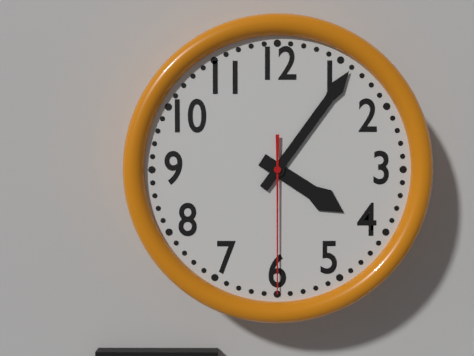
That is 4:06:30
